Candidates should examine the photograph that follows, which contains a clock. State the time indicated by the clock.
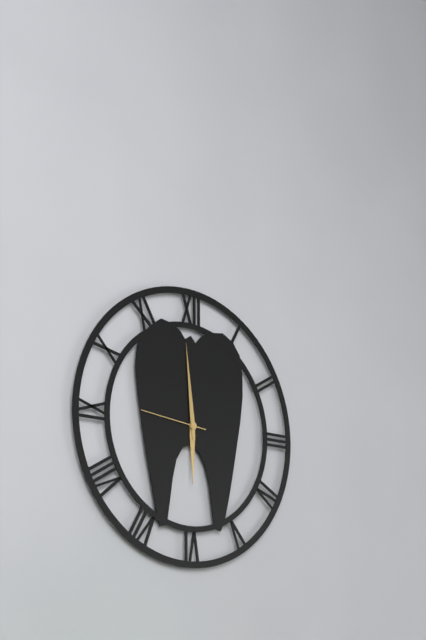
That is 5:59:46
